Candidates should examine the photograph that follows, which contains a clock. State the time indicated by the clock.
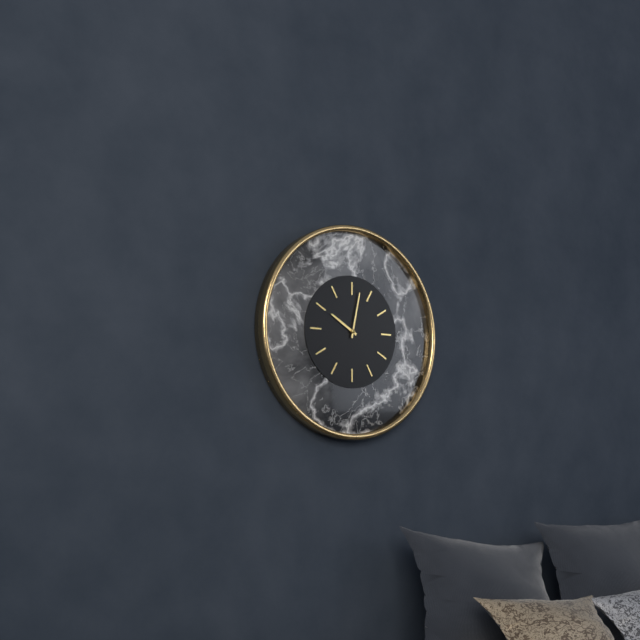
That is 10:02
